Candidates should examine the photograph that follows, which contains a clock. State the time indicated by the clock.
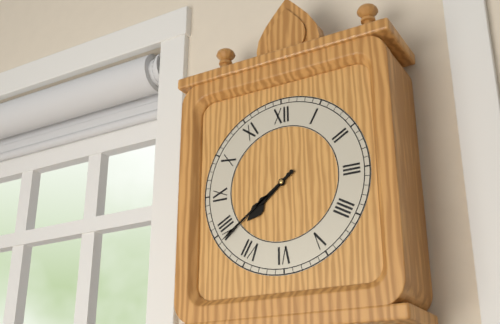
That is 7:39
